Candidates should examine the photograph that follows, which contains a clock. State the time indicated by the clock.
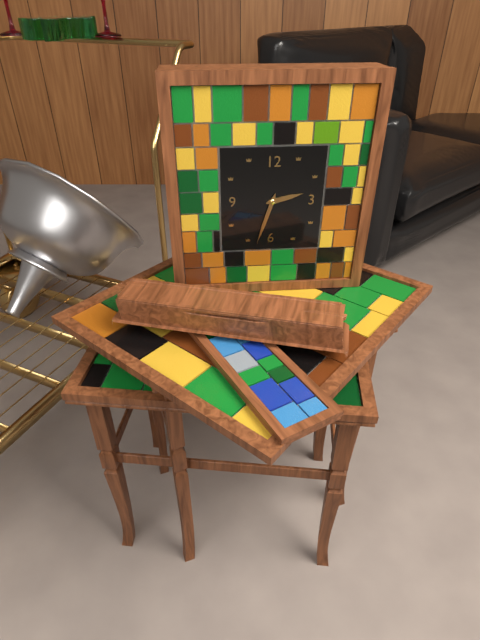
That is 2:33
